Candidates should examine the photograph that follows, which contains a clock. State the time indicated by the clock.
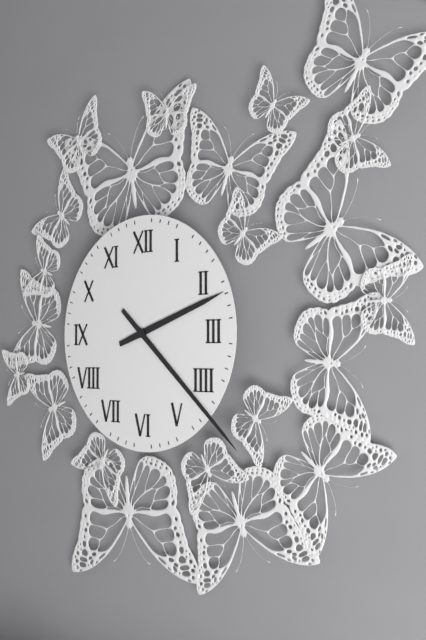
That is 2:22
